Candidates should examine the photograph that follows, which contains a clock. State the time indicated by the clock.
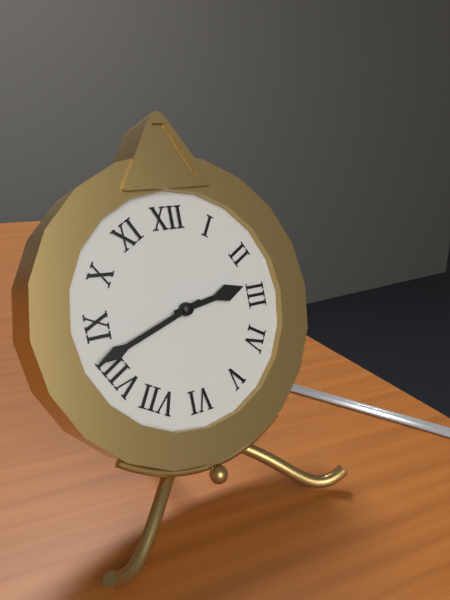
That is 2:42
